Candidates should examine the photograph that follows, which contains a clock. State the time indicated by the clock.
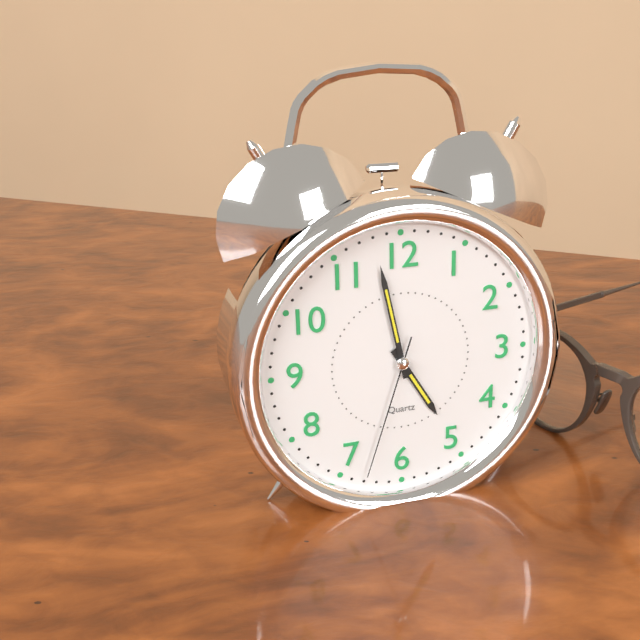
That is 4:58:33
